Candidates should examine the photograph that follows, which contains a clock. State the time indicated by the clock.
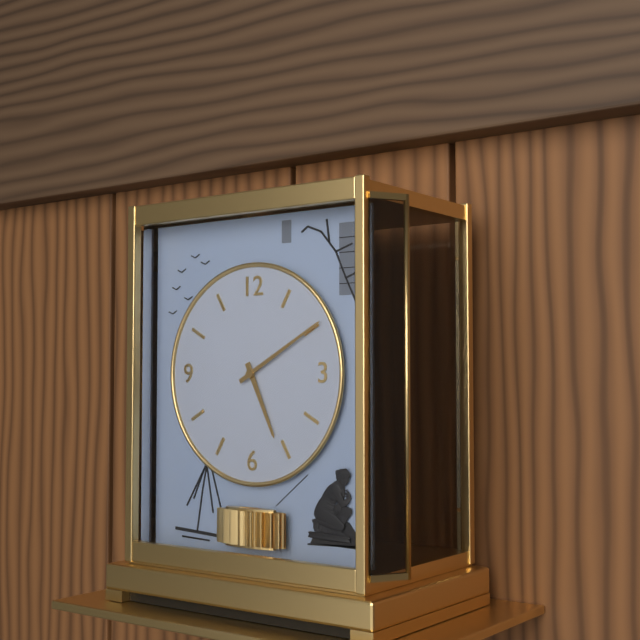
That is 5:10
